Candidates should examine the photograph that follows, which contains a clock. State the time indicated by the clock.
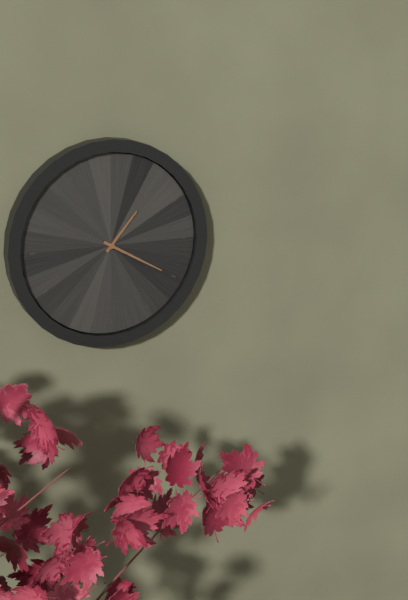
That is 1:20
